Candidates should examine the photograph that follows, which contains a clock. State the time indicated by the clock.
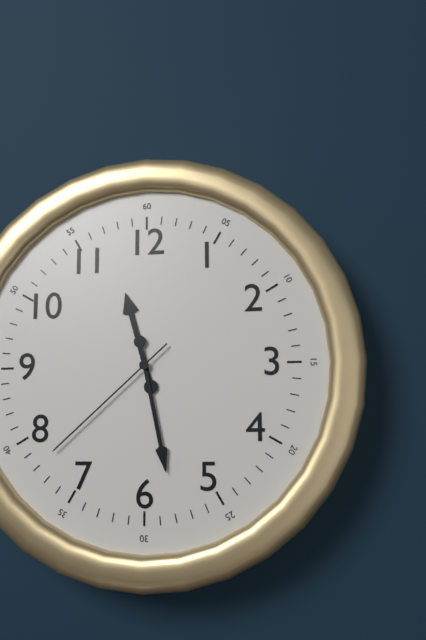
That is 11:28:38
